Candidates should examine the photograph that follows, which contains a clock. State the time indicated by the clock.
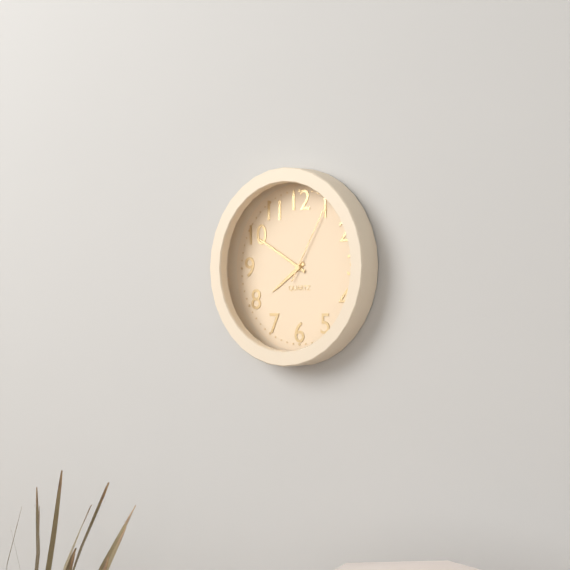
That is 7:50:05
